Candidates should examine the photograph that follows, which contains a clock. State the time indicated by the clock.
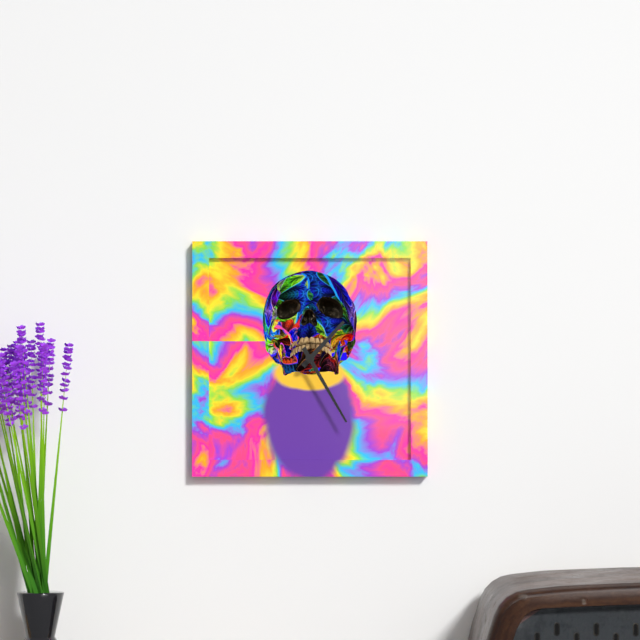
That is 1:25
